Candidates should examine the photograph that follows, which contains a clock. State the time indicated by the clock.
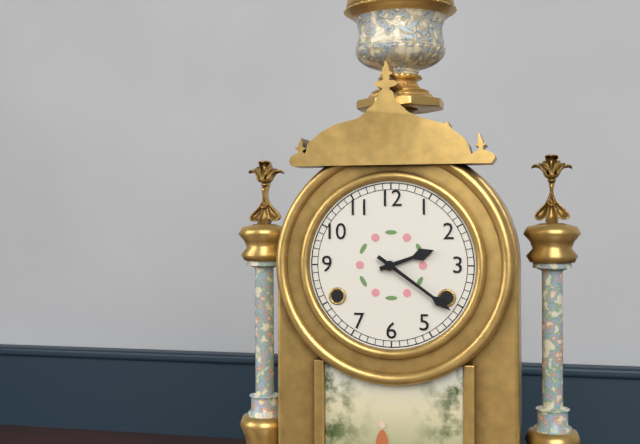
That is 2:21
